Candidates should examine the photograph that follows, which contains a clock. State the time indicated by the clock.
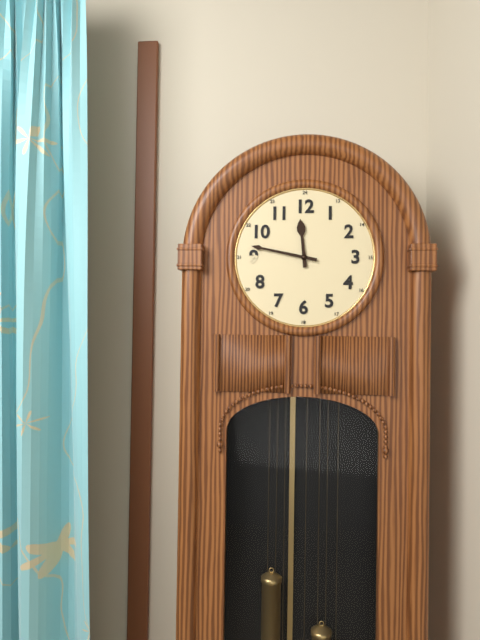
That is 11:47
